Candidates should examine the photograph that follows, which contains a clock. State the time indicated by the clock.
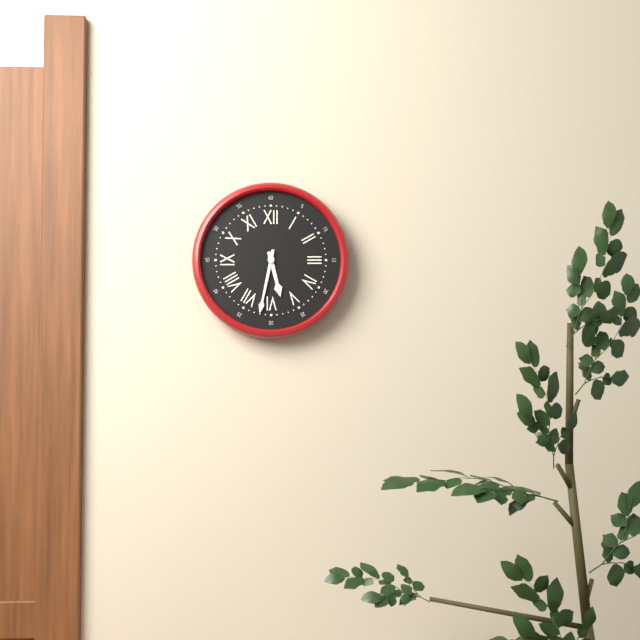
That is 5:32
